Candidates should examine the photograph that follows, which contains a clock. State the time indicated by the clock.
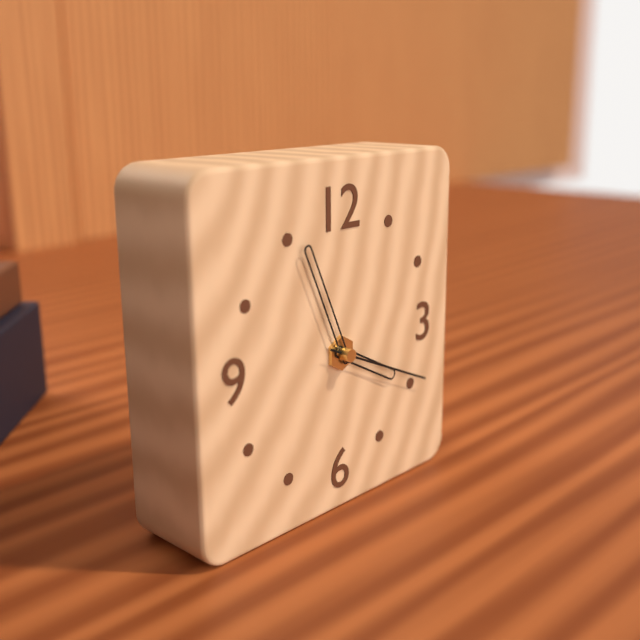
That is 3:56:19
